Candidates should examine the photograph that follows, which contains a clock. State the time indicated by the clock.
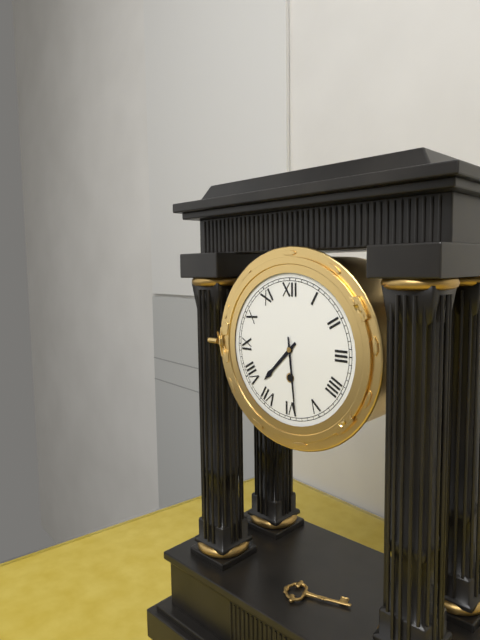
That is 7:29
